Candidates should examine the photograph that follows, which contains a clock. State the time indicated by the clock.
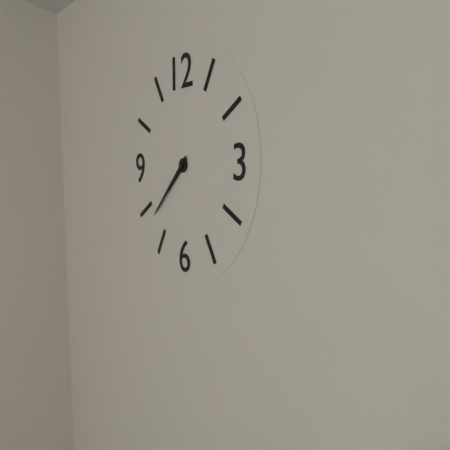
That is 7:38
